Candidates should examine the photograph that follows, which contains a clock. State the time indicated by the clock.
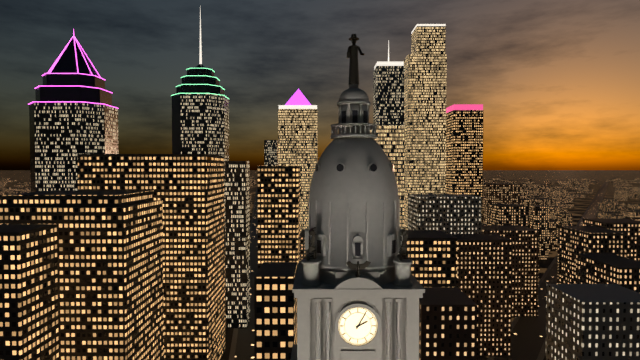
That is 2:05
